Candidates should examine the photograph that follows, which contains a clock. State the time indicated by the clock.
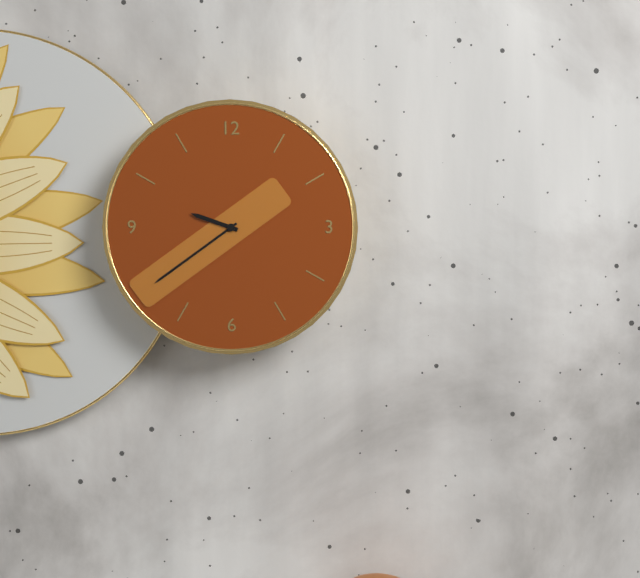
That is 9:39
